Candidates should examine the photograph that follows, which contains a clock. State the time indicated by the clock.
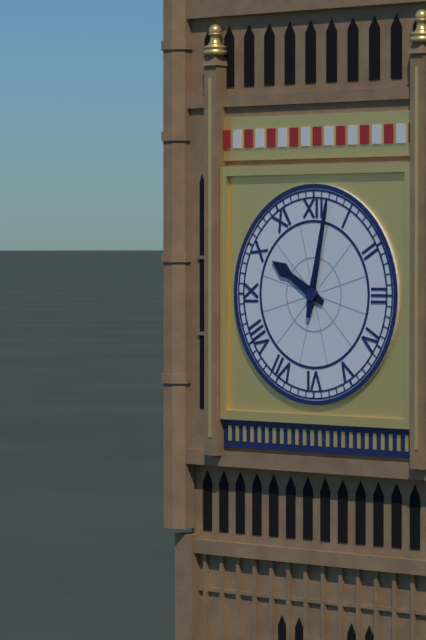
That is 10:02
